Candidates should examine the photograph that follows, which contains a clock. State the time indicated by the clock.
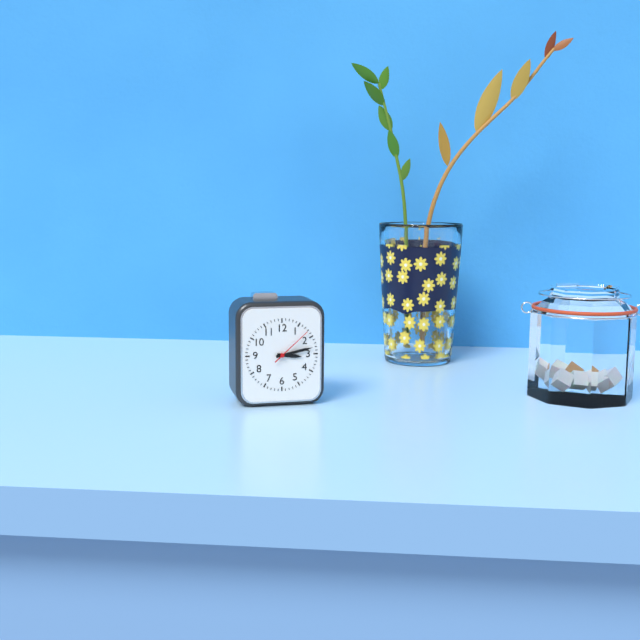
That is 3:13
